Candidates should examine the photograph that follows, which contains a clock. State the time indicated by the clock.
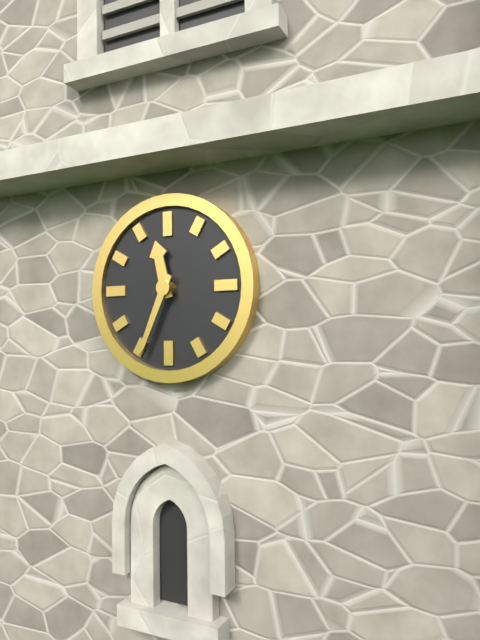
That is 11:34
